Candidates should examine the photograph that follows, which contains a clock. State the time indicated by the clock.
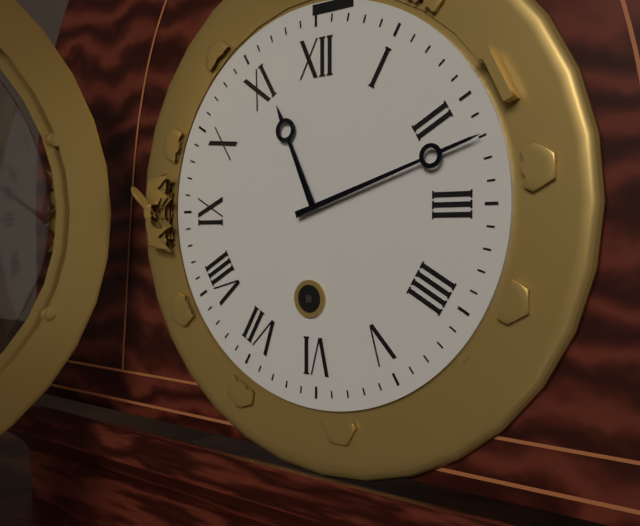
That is 11:12
